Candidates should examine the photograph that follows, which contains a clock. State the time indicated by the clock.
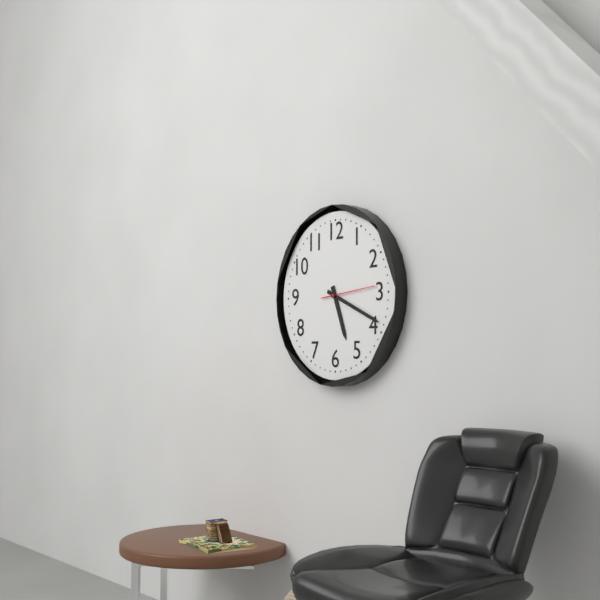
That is 5:19:14
